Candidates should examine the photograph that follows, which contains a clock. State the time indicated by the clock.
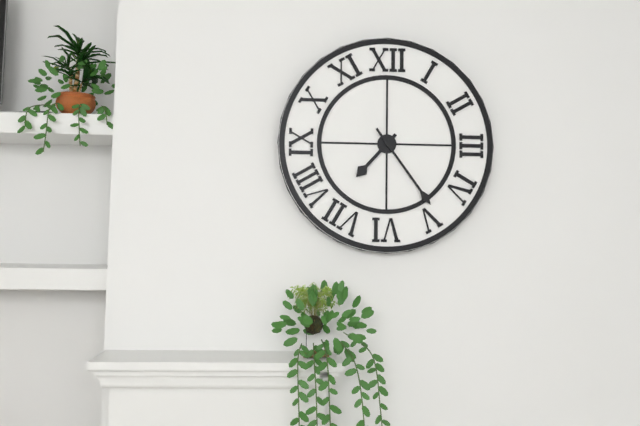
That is 7:24
